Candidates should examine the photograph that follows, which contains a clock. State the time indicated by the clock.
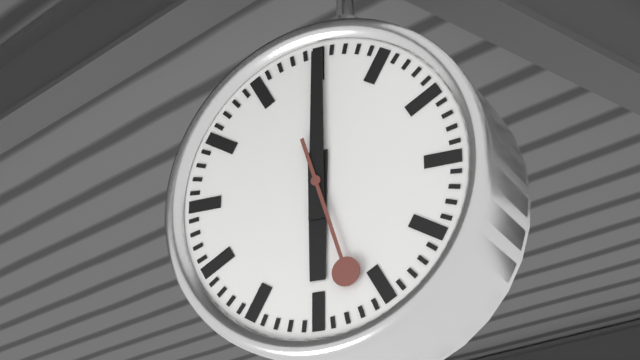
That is 6:00:27
